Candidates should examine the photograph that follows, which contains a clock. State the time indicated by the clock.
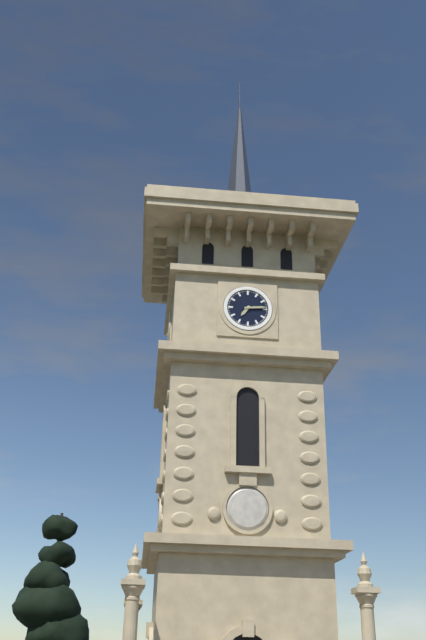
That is 7:14
